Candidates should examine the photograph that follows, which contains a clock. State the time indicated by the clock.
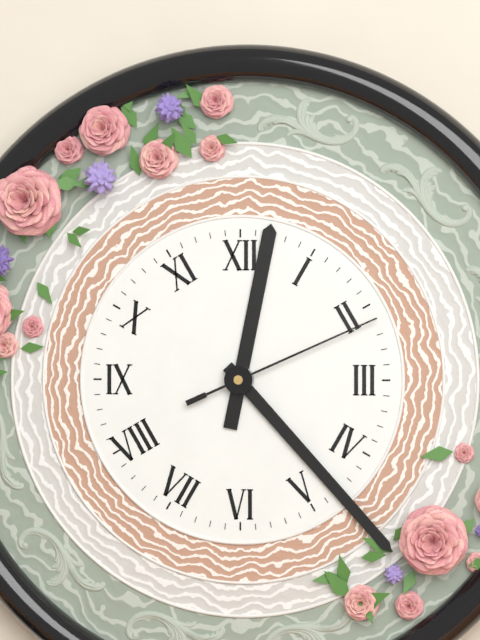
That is 12:23:11
